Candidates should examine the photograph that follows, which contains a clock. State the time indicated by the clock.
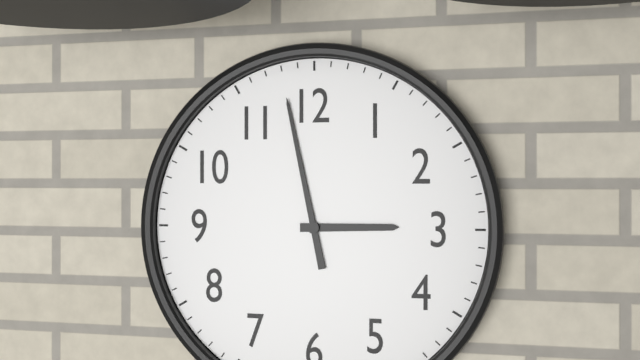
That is 2:58
